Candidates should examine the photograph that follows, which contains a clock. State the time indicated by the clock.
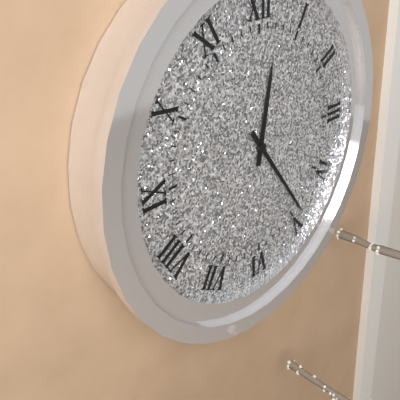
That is 12:24
